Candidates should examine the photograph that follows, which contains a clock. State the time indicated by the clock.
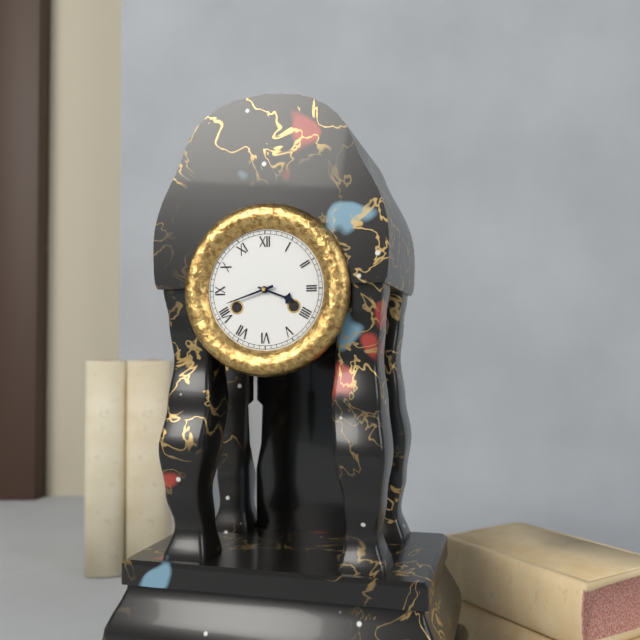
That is 3:42
